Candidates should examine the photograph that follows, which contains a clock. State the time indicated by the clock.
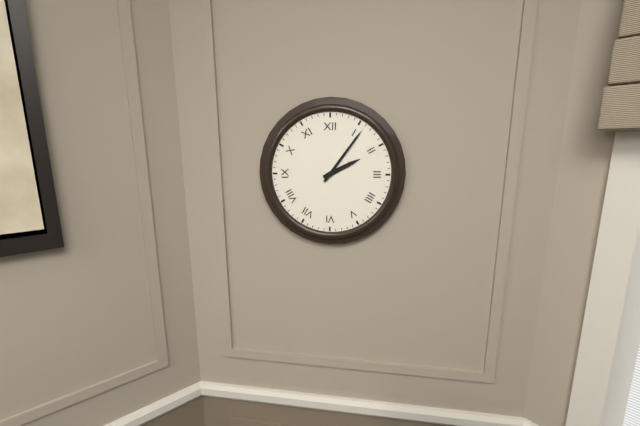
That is 2:06
